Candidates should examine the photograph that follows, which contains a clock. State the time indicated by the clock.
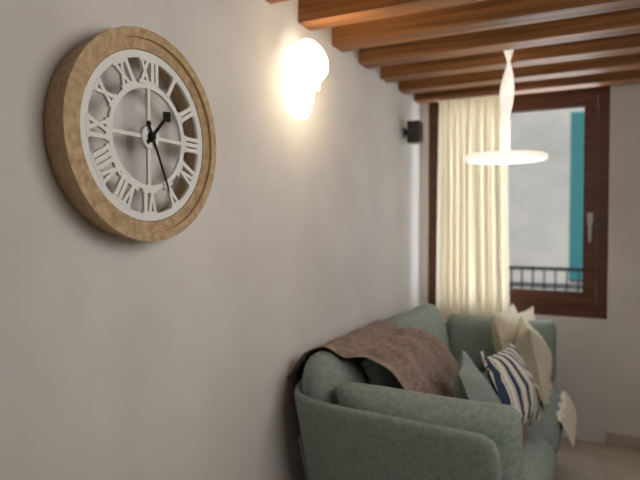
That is 1:26
